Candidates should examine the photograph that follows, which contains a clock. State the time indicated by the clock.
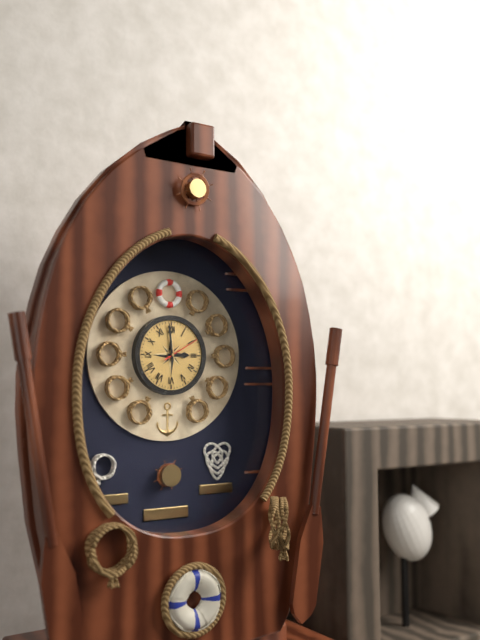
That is 2:59
